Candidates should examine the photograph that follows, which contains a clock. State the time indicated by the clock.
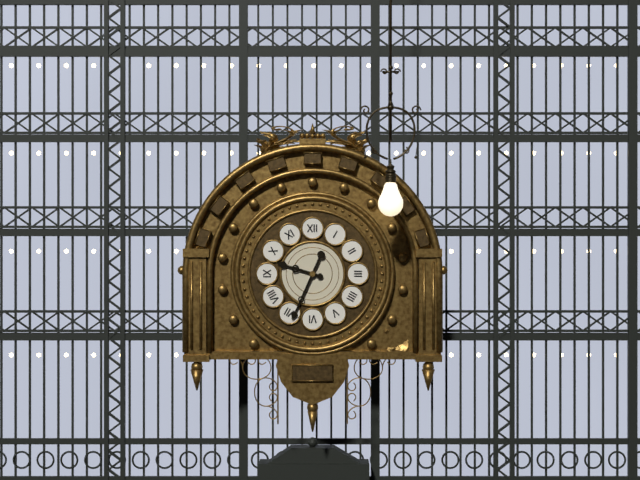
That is 9:34
